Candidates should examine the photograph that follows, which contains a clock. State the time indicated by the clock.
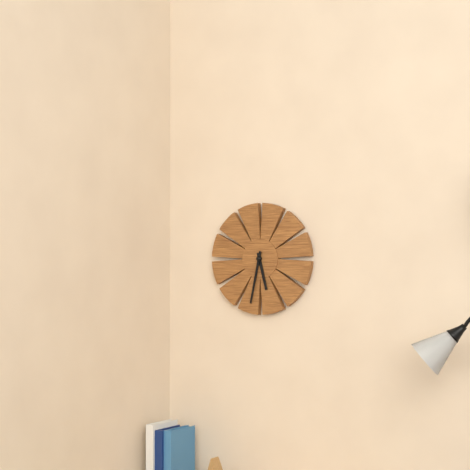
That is 5:32
